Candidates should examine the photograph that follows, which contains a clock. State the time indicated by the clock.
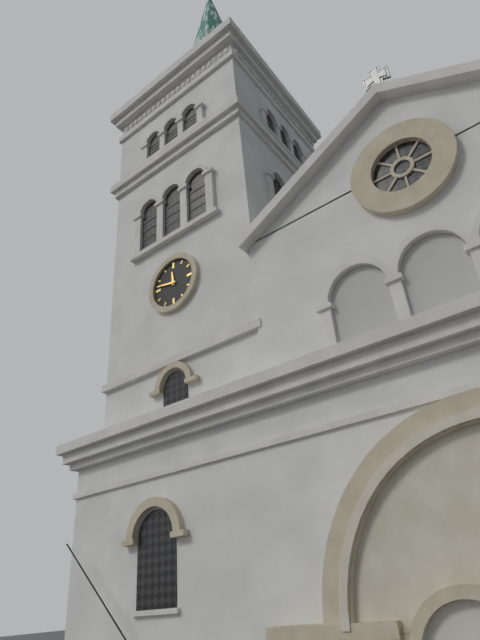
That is 11:47
